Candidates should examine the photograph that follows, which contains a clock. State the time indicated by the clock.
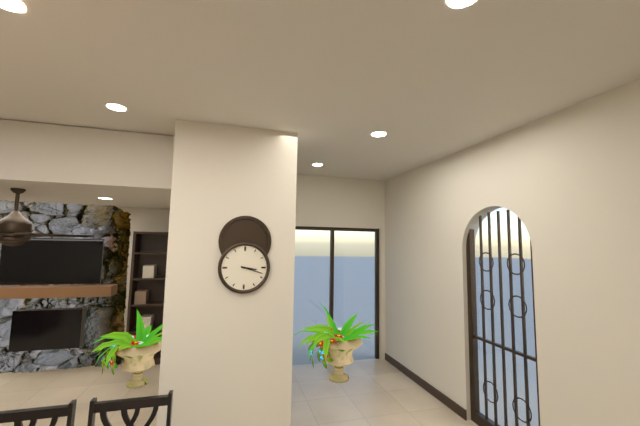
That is 3:18
